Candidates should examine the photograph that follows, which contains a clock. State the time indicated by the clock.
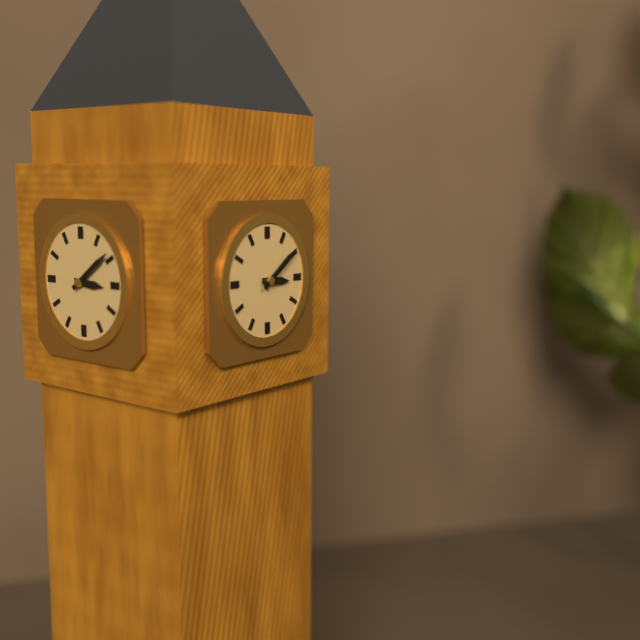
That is 3:09
